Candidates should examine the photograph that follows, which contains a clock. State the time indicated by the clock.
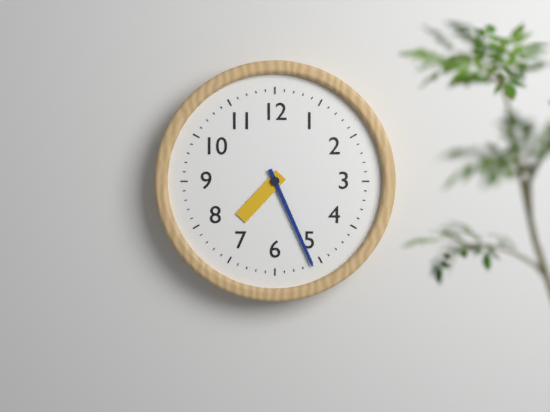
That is 7:26
